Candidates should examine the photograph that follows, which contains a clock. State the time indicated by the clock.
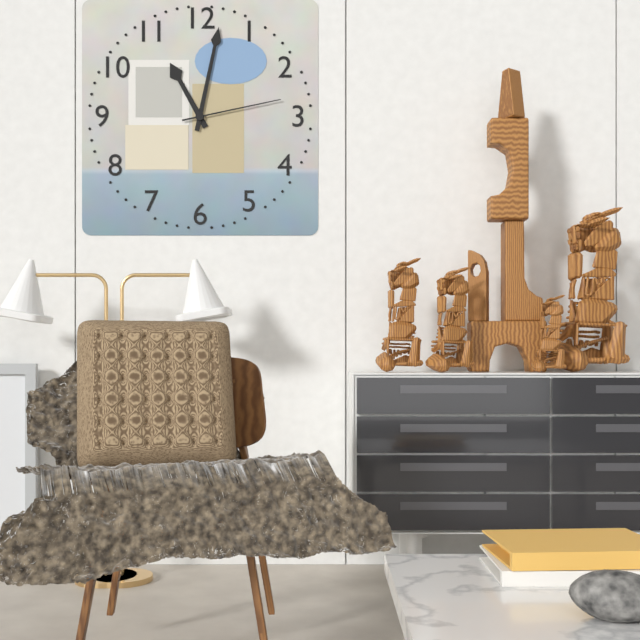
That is 11:02:13
